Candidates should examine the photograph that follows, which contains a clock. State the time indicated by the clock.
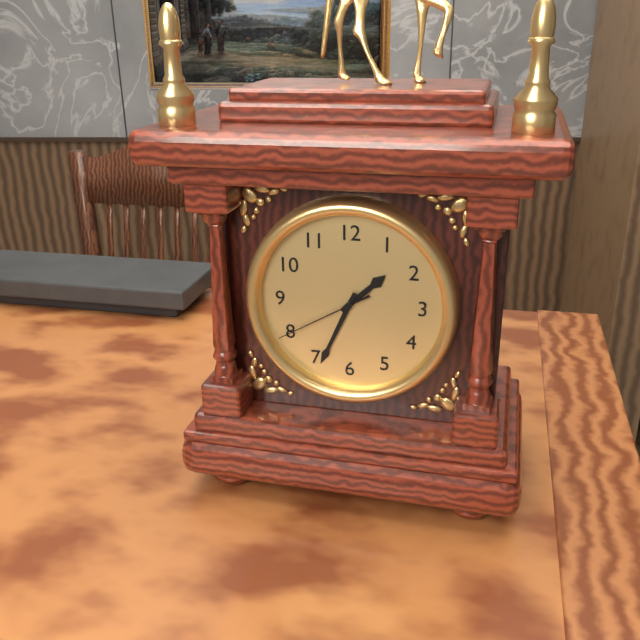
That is 1:34:40
